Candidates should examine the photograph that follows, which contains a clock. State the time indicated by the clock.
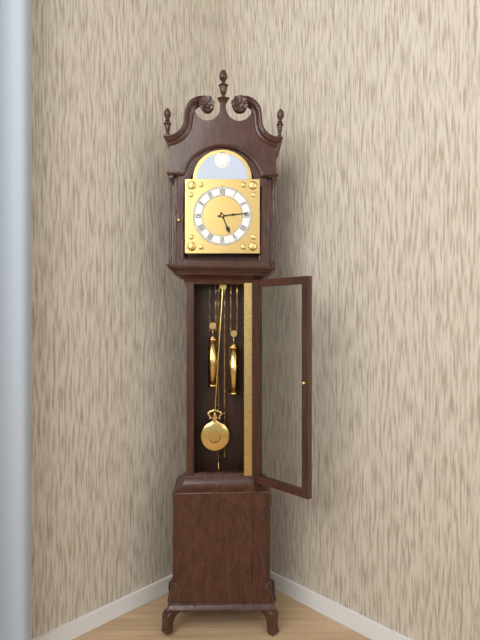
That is 5:14
